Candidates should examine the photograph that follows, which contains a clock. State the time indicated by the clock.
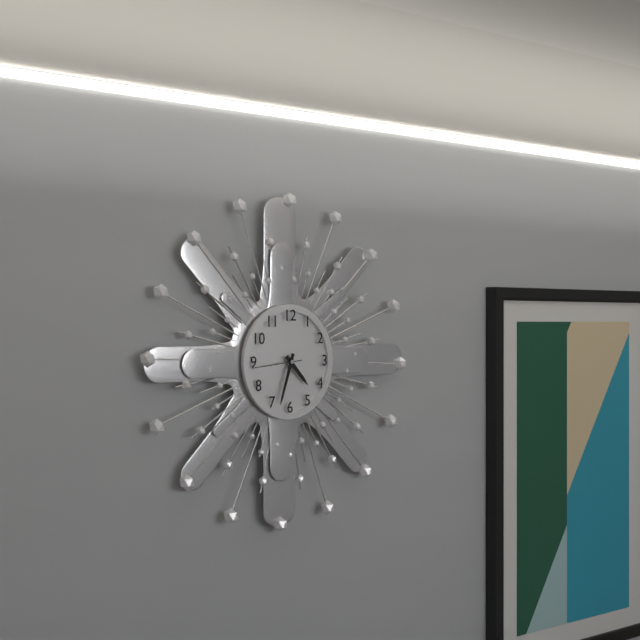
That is 4:33
